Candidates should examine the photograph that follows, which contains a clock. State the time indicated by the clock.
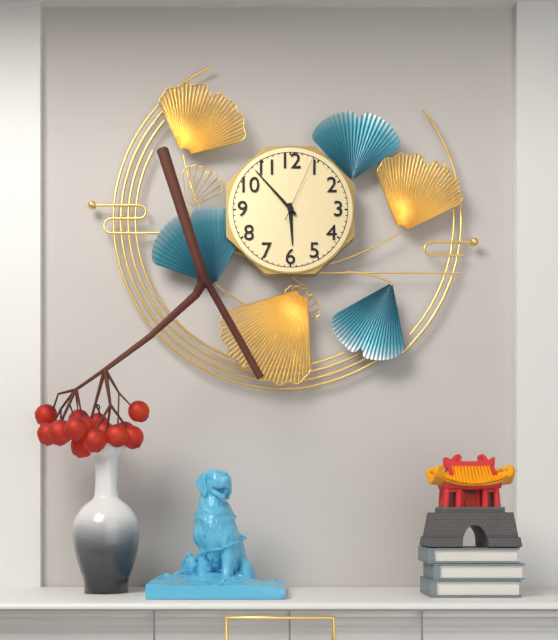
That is 5:53:04
